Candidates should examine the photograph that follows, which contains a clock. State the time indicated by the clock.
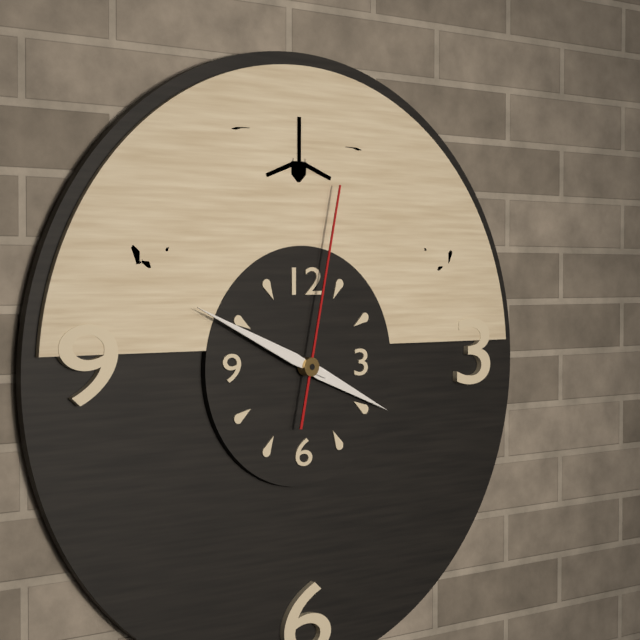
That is 3:49:02
